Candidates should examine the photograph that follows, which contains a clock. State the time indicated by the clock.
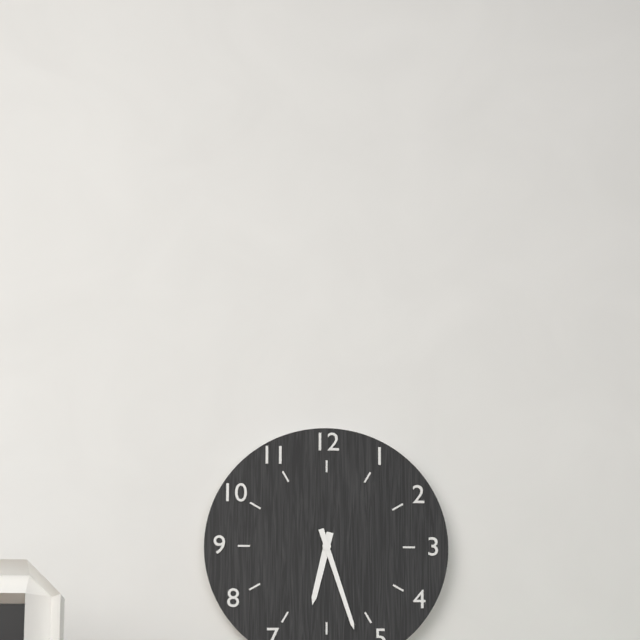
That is 6:27
